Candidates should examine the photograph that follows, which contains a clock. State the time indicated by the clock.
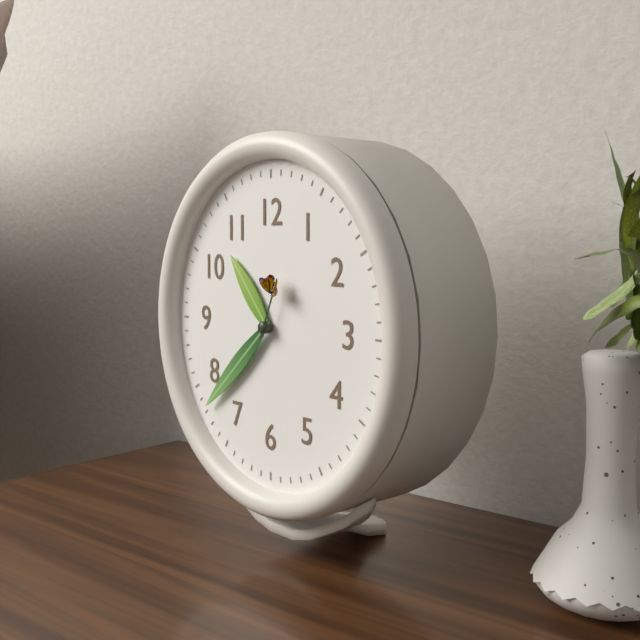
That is 10:38:04
